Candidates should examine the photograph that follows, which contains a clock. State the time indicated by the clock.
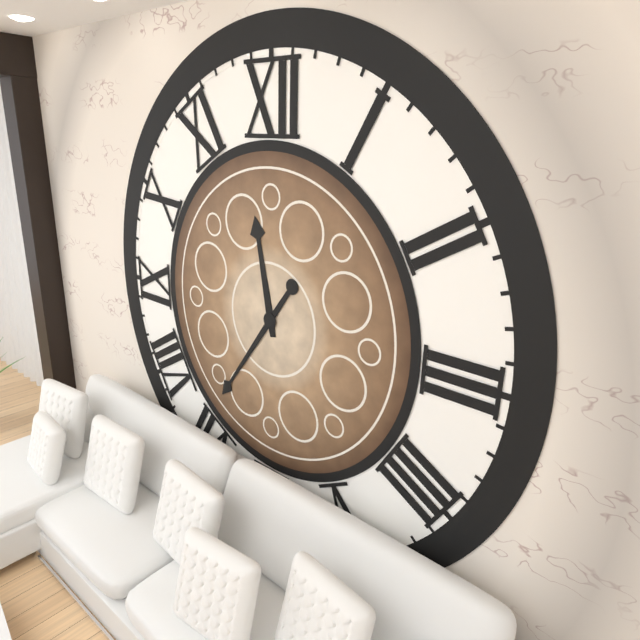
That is 11:36
